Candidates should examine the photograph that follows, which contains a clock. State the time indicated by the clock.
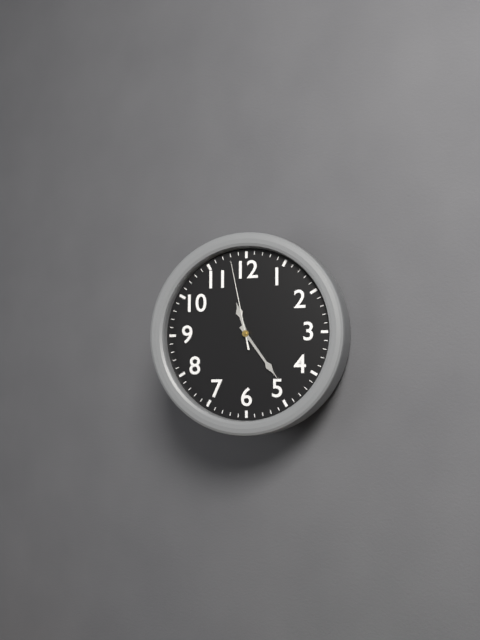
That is 11:24:58
